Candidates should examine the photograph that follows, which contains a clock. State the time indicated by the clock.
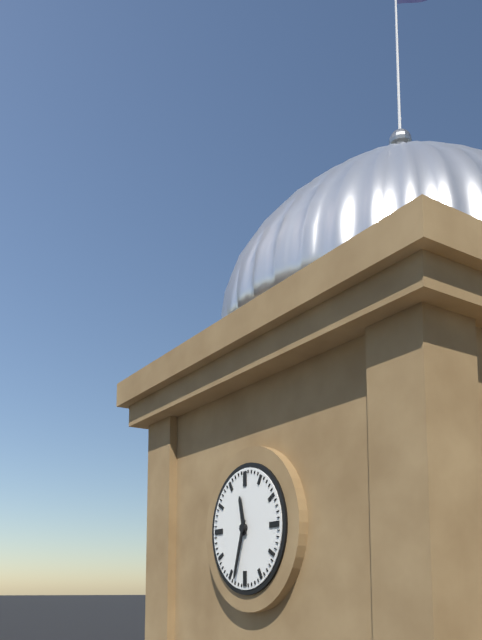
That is 11:33
